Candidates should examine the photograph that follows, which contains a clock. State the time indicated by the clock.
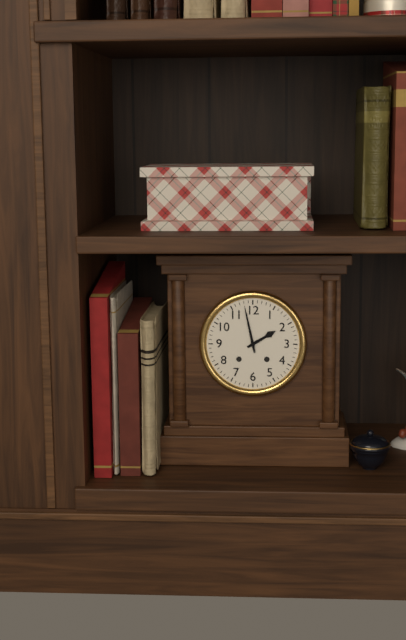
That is 1:58
